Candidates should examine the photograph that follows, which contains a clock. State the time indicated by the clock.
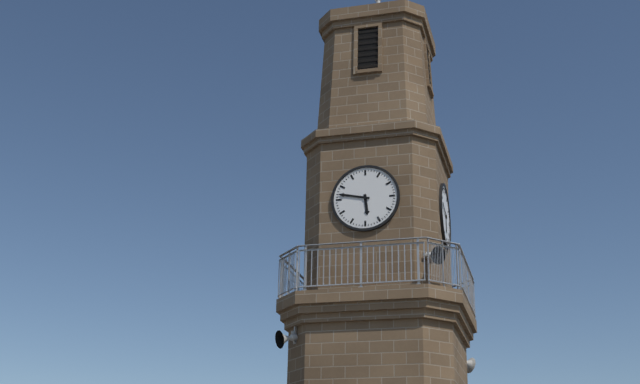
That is 5:47
